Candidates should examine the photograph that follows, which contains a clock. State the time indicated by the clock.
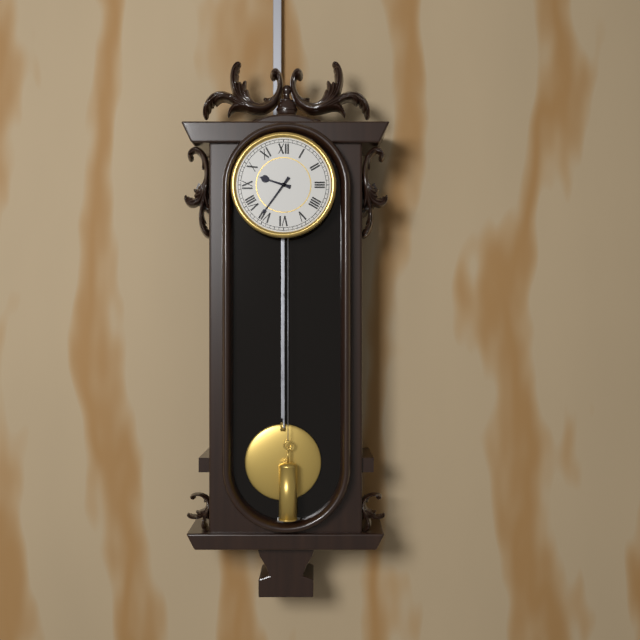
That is 9:36
